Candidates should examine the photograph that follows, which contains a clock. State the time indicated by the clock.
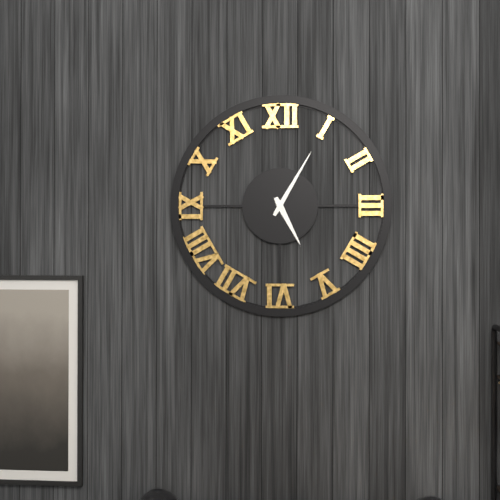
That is 5:05
